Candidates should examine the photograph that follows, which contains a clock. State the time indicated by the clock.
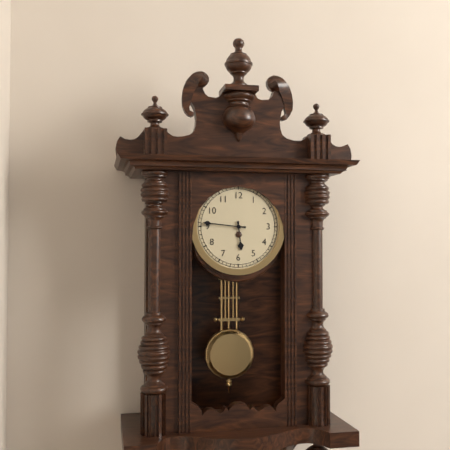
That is 5:46
